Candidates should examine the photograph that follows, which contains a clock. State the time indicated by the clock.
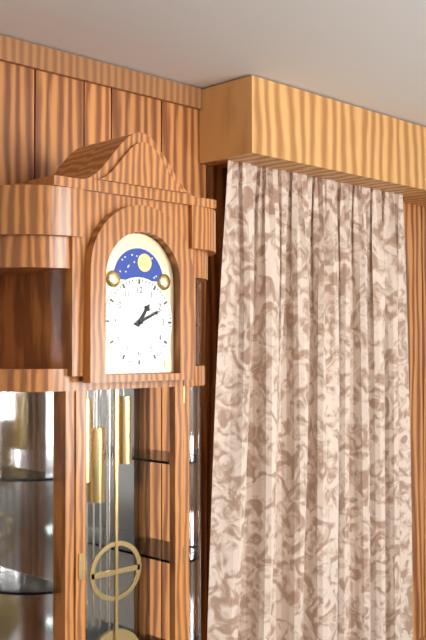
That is 1:11
